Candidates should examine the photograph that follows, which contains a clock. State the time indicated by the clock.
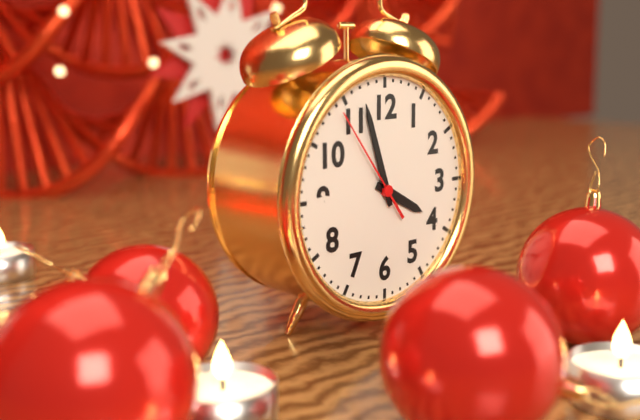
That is 3:57:54
